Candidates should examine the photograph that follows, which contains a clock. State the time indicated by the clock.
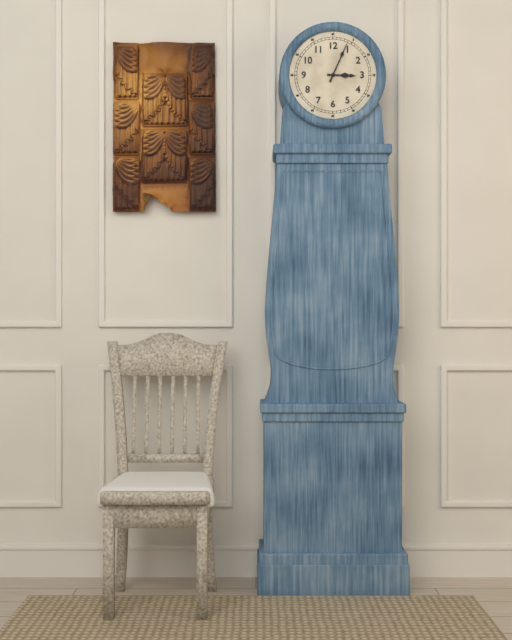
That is 3:04
